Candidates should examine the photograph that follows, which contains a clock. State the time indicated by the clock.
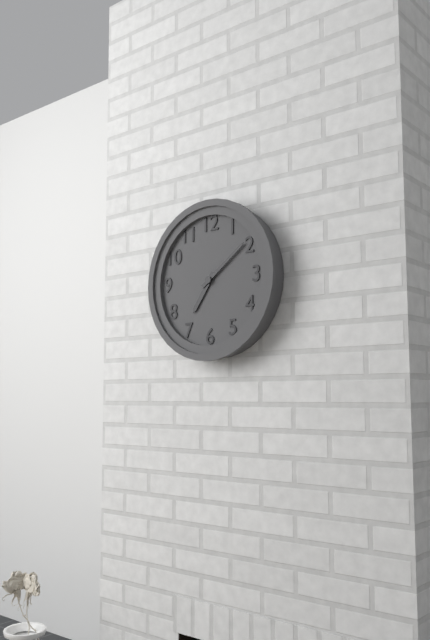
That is 7:09
